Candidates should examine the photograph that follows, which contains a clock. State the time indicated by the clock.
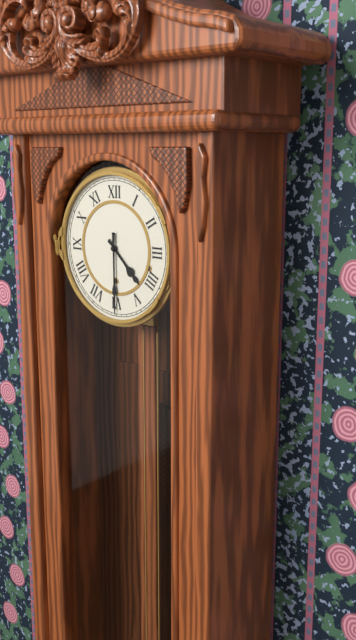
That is 4:30
